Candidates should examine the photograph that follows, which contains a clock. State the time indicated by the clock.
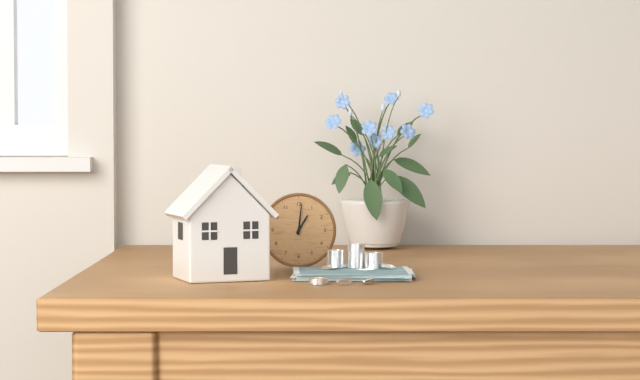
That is 1:01
